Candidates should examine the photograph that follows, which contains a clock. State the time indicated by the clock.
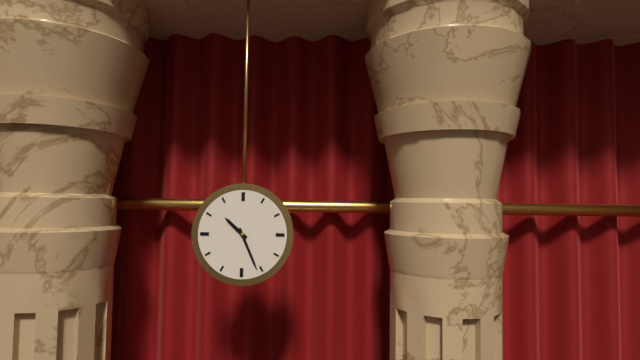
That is 10:26
